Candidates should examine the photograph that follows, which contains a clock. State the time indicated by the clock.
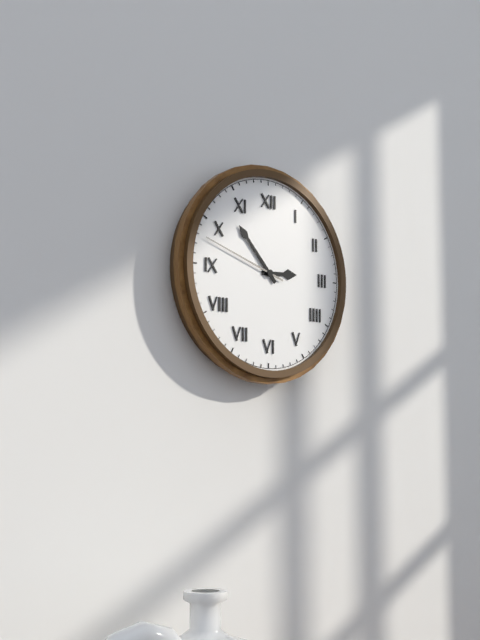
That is 2:53:48
